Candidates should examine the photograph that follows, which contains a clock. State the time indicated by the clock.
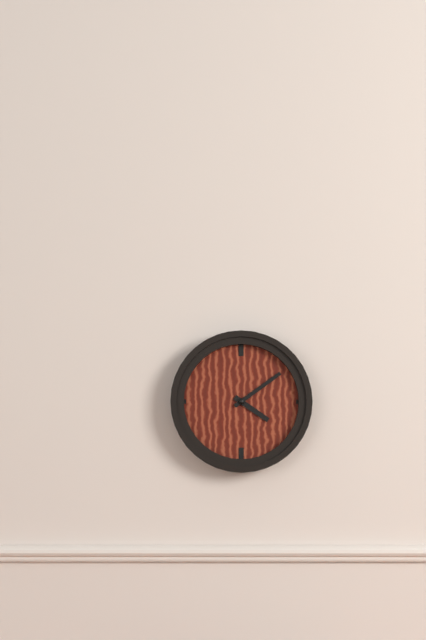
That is 4:09
